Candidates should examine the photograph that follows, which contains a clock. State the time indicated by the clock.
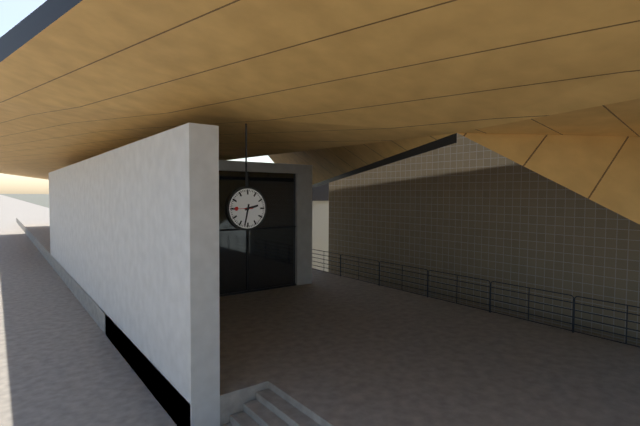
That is 2:32
